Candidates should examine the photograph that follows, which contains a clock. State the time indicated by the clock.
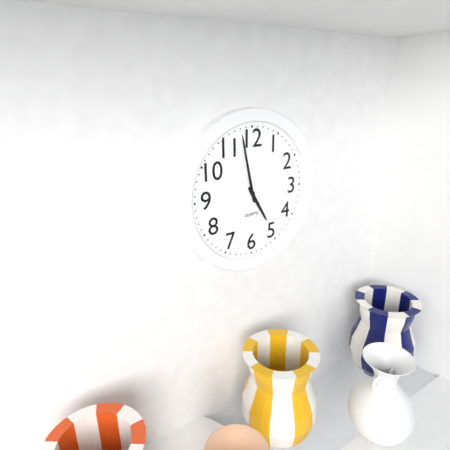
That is 4:58
